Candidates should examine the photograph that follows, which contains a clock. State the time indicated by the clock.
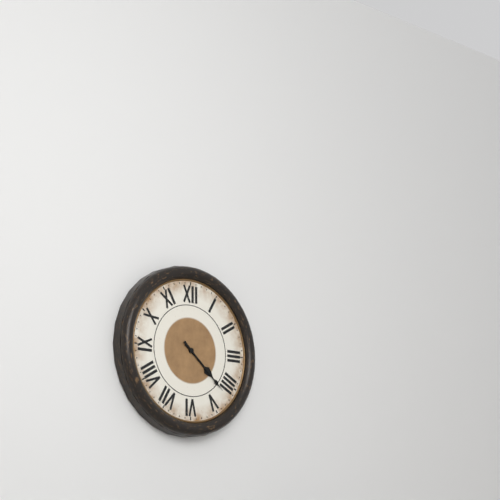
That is 4:22
